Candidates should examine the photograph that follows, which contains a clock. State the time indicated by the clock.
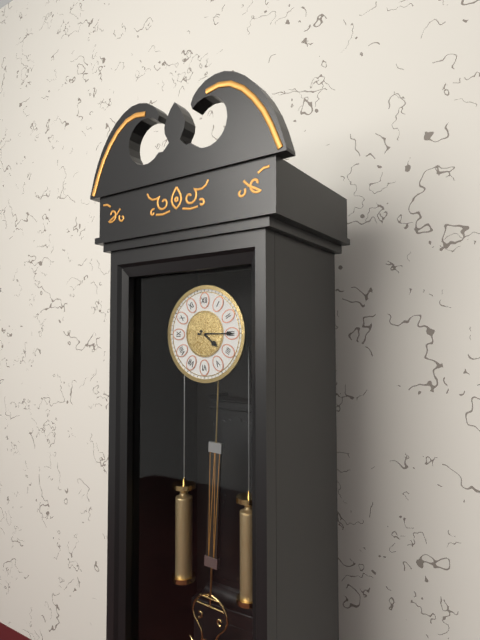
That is 4:15
